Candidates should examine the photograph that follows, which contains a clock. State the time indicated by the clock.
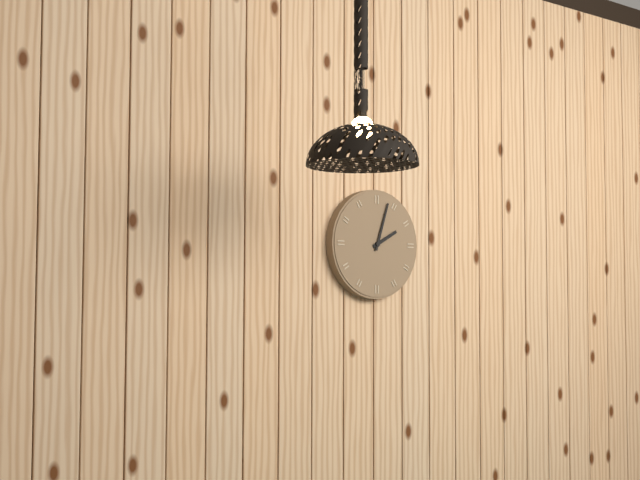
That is 2:03
